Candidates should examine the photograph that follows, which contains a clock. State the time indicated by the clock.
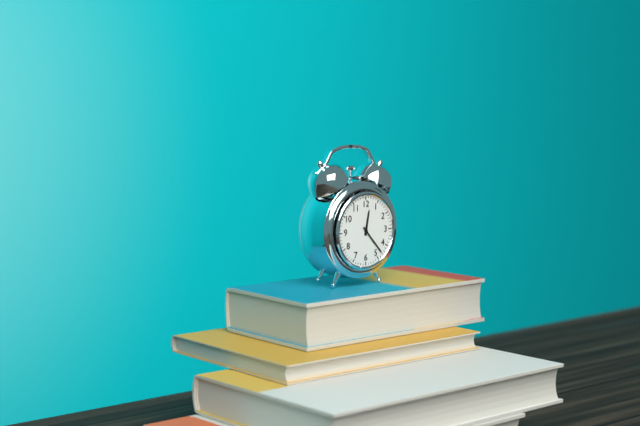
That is 12:23
